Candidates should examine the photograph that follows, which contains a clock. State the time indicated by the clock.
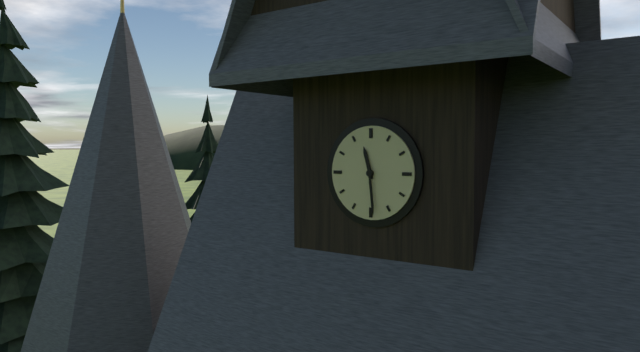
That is 11:29
